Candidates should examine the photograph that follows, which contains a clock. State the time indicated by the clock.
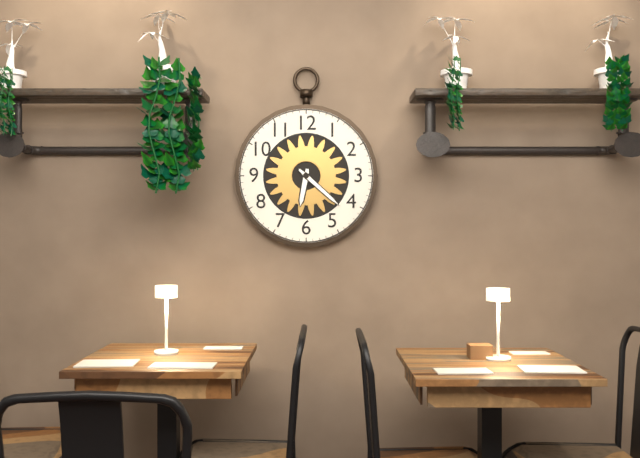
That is 6:22
